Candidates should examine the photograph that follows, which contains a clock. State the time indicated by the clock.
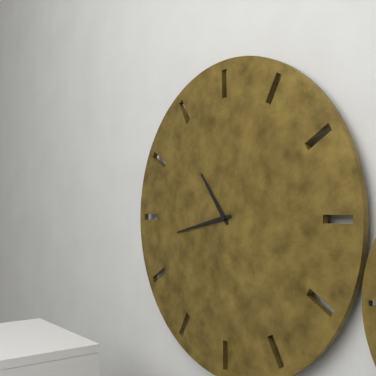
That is 10:43
